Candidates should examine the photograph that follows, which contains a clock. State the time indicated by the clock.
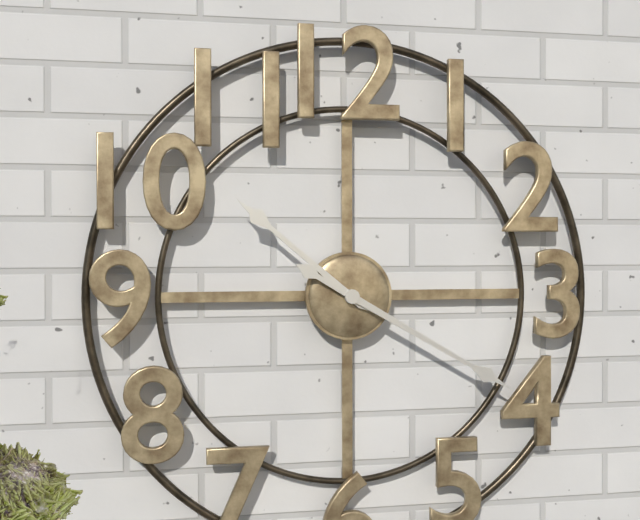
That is 10:20
